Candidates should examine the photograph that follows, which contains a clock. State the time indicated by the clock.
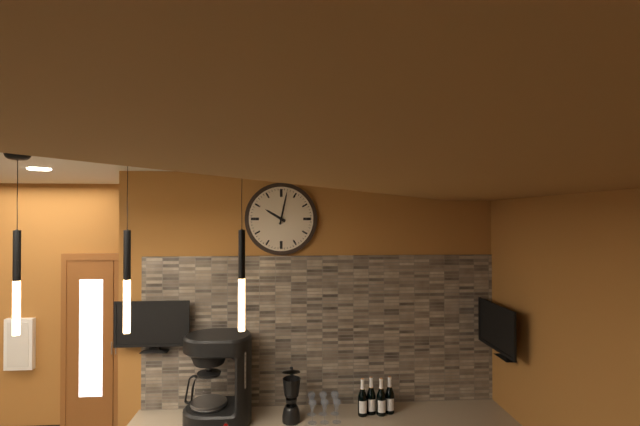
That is 10:02
